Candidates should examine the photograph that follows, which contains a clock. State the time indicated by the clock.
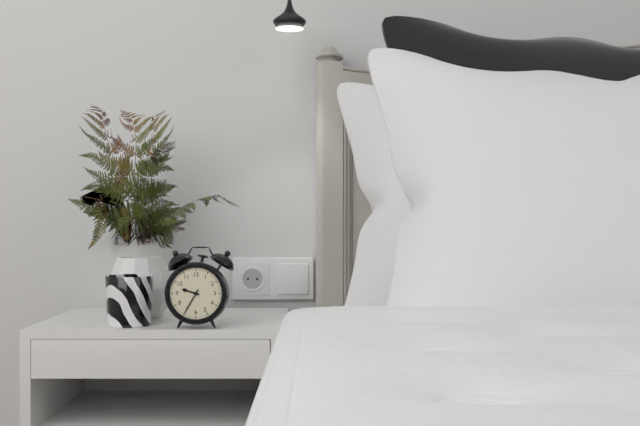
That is 9:35
